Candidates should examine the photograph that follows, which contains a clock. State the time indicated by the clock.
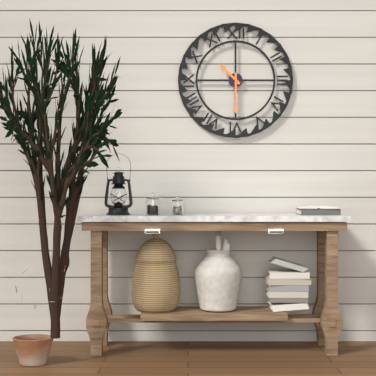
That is 10:30
